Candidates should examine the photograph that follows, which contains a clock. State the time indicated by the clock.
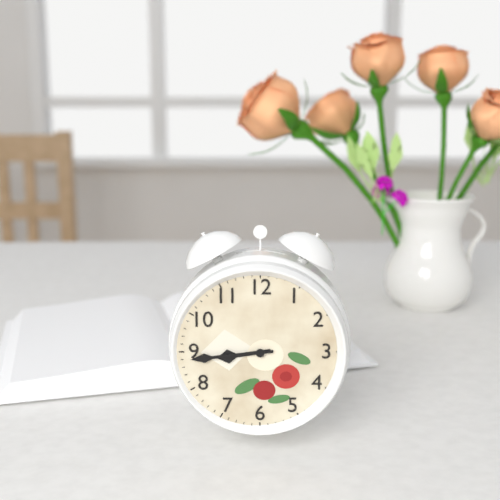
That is 8:44
